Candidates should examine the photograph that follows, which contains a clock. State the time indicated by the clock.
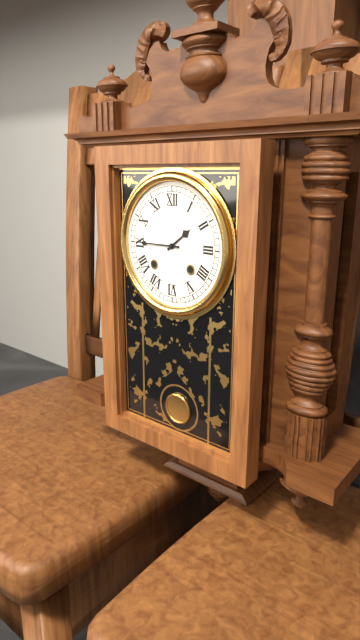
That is 1:45
